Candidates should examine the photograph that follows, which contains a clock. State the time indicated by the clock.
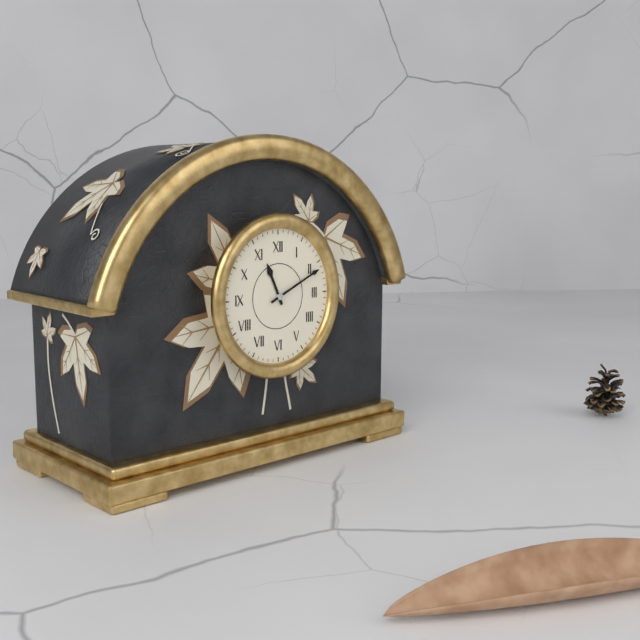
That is 11:11
